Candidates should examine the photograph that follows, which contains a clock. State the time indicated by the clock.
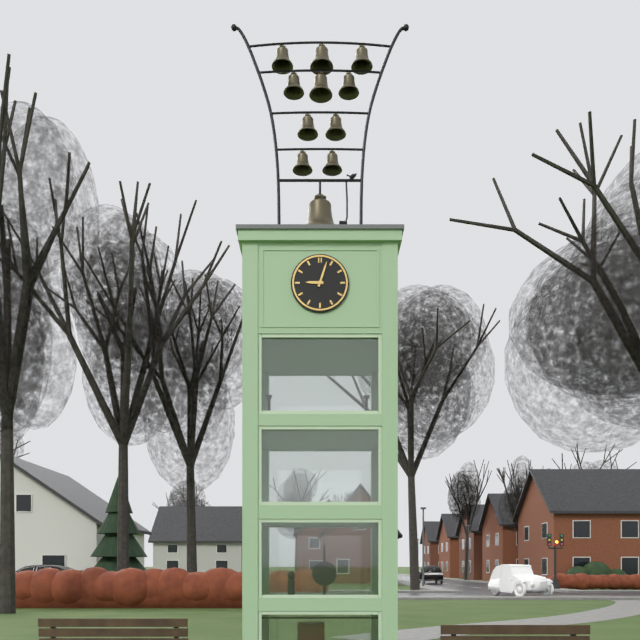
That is 9:03
